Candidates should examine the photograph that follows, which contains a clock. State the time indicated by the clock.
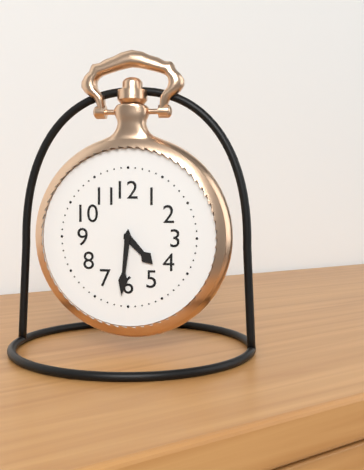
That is 4:31
